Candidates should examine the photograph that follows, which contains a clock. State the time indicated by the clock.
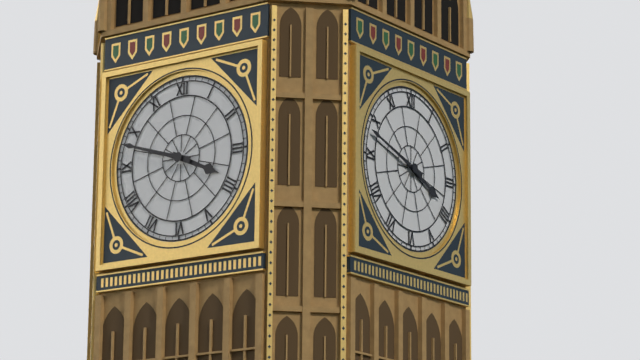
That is 3:48
